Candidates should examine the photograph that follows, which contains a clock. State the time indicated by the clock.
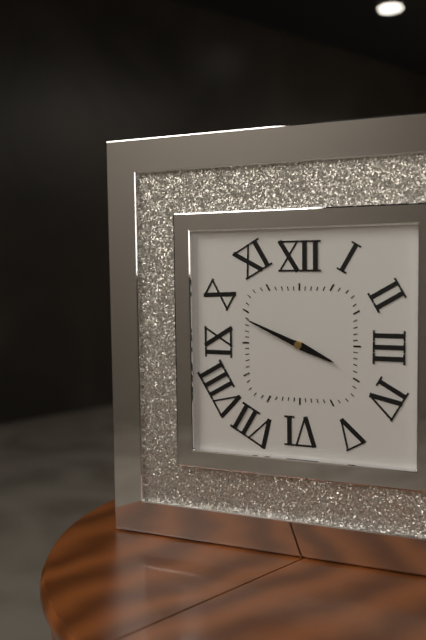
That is 3:49
